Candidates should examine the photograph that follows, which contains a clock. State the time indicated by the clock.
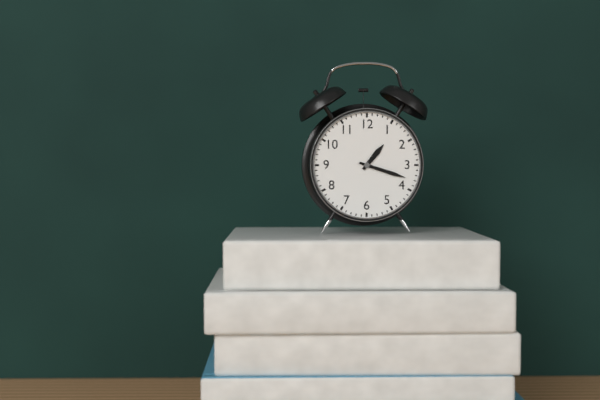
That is 1:18
